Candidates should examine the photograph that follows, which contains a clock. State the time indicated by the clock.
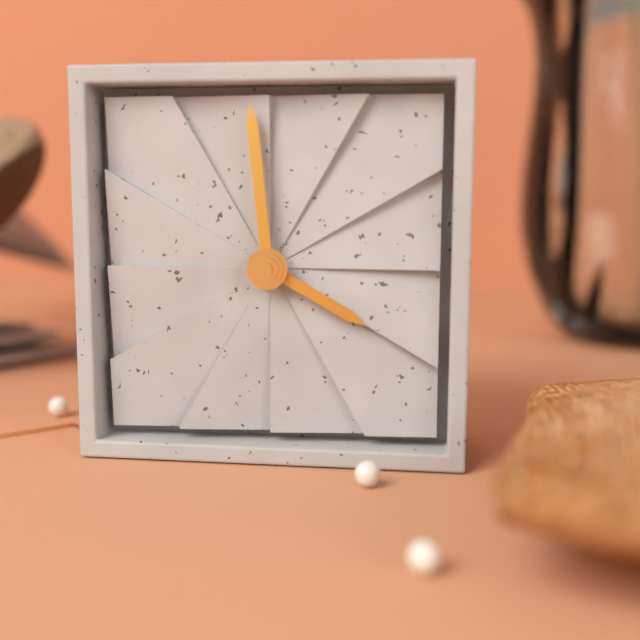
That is 3:59
